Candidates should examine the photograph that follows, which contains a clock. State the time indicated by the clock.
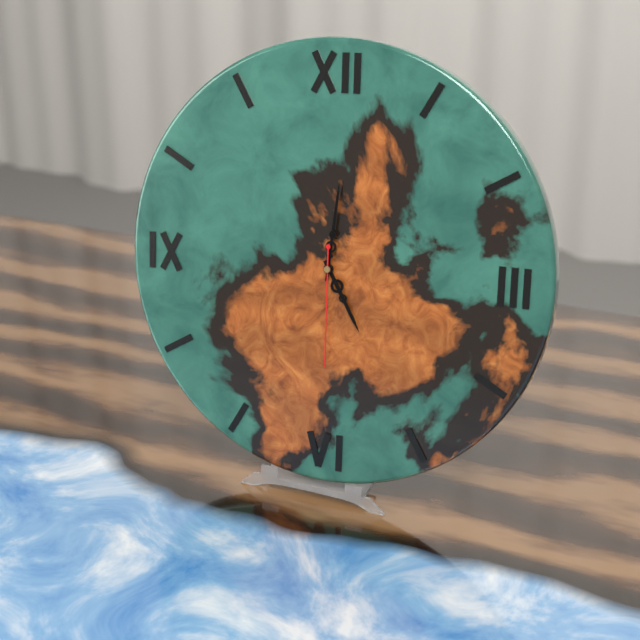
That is 5:01:30
